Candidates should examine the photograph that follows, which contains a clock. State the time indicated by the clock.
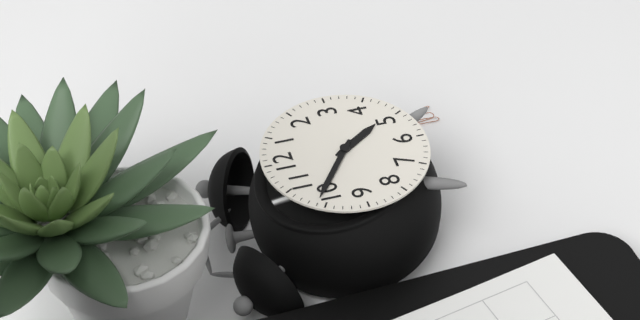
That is 4:51
